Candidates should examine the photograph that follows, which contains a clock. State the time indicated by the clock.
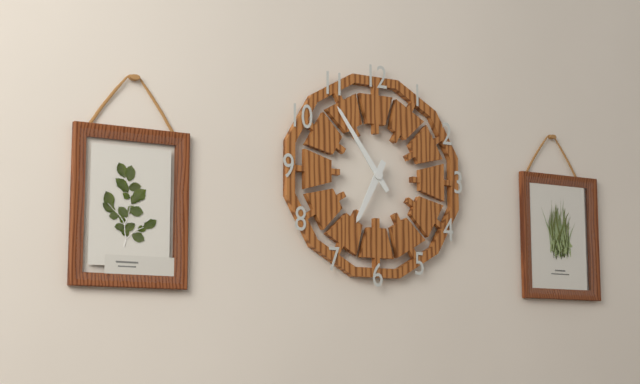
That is 6:54
